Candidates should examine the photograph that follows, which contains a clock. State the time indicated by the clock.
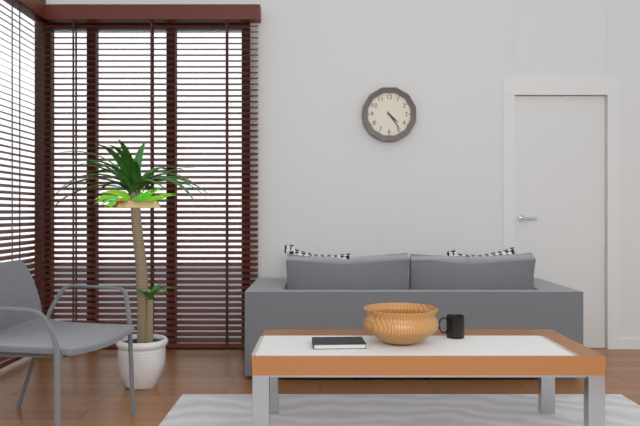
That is 4:24
